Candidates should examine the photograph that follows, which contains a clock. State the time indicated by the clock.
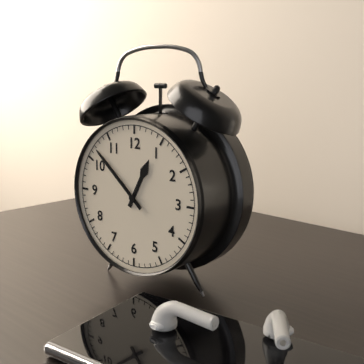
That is 12:52
